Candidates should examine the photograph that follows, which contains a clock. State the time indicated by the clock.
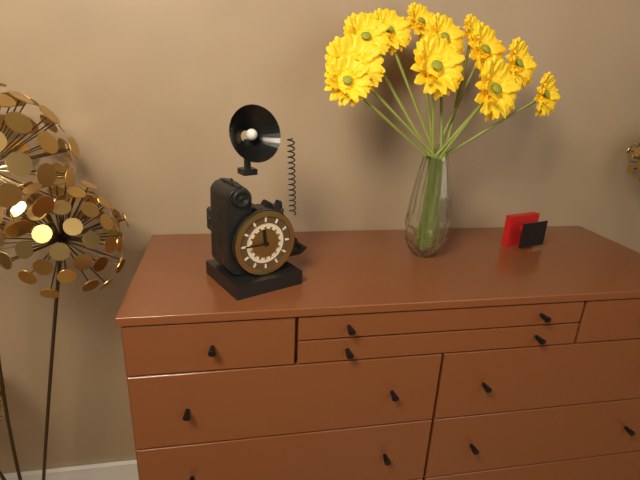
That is 11:45
